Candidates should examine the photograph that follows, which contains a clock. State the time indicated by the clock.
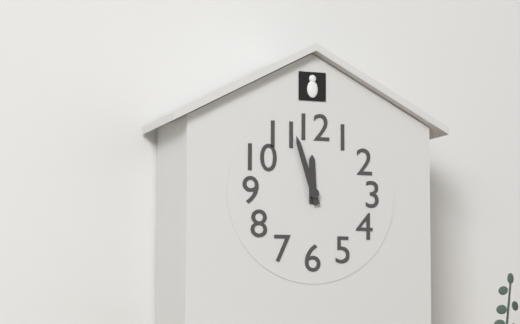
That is 11:57
